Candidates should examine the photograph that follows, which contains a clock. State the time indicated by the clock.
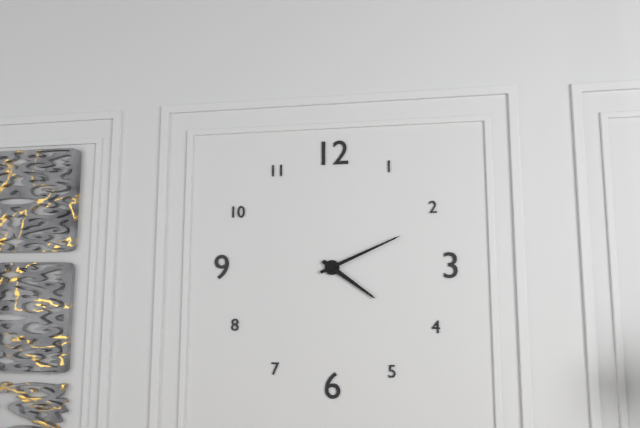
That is 4:11
